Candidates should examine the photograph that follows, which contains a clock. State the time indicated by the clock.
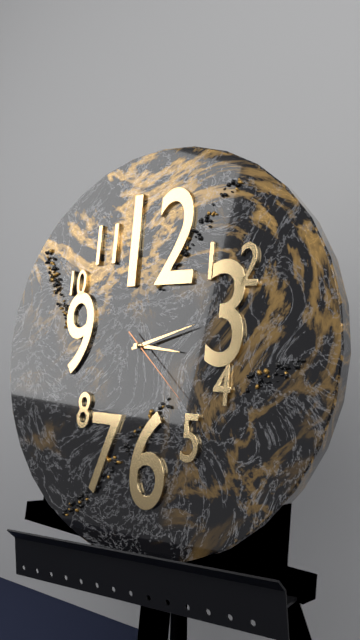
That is 3:12:22
